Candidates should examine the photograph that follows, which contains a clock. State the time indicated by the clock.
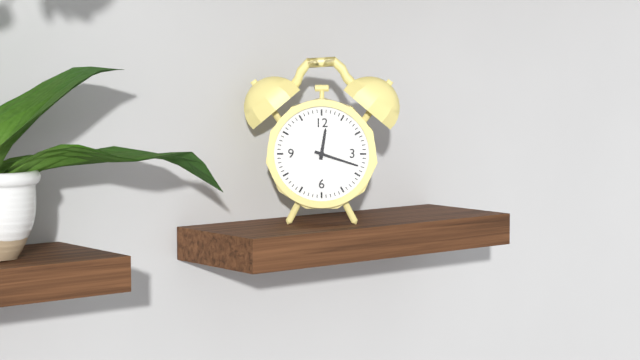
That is 12:18
